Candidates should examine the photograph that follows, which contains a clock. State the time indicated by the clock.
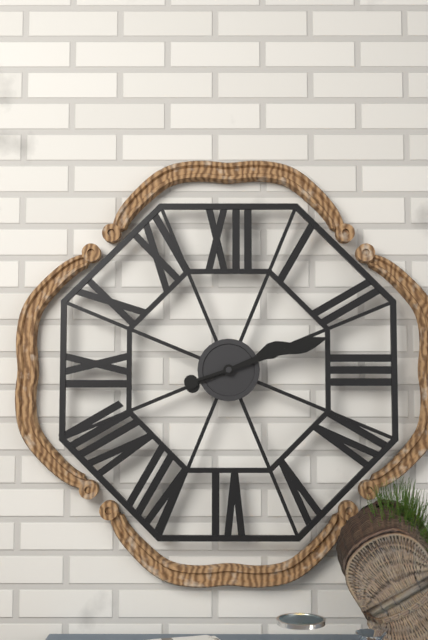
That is 2:12
